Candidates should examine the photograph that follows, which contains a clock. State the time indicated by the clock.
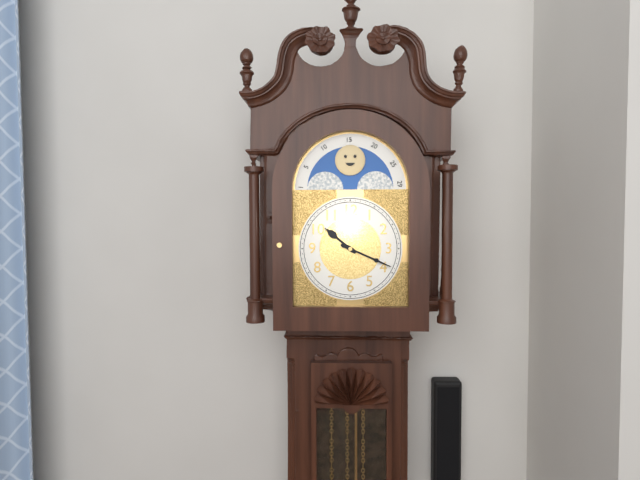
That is 10:19
